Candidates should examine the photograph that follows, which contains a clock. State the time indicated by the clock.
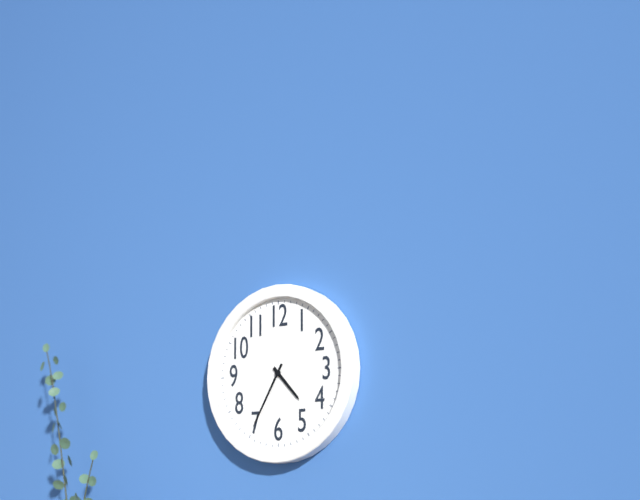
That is 4:35
